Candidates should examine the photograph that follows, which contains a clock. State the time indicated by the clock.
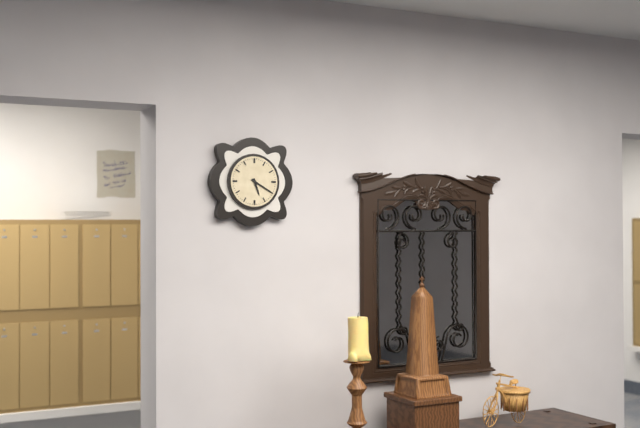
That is 5:20
